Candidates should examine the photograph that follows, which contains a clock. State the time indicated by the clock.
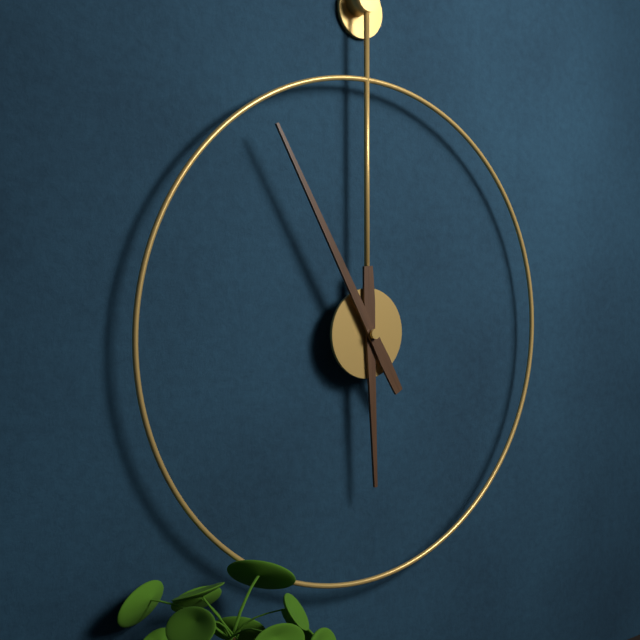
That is 5:55
